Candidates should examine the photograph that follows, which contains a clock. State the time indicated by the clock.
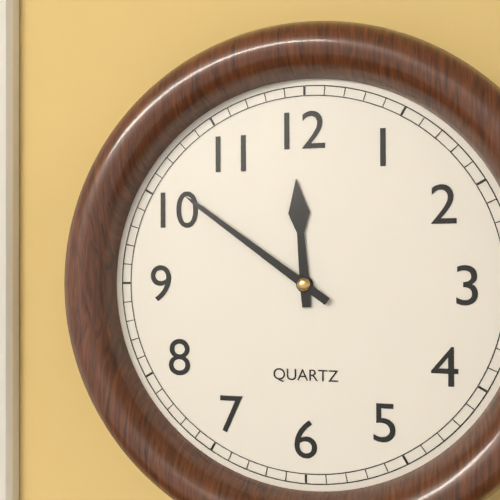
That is 11:51
